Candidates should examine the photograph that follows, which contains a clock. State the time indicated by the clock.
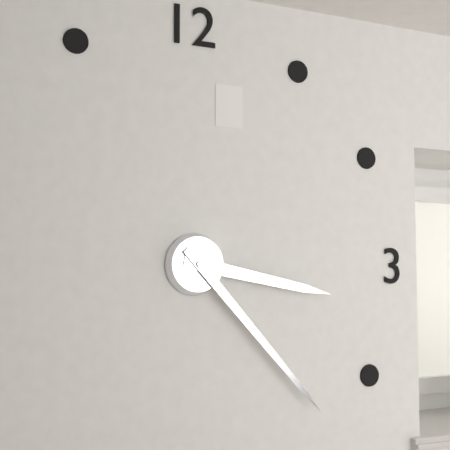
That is 3:23
